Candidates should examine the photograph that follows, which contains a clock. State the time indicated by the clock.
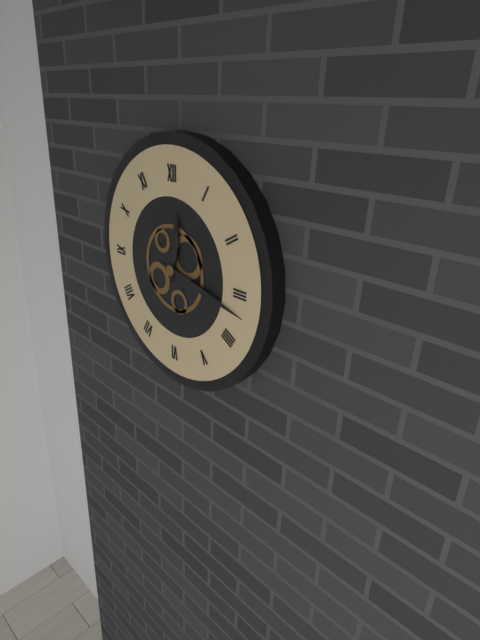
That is 12:17
